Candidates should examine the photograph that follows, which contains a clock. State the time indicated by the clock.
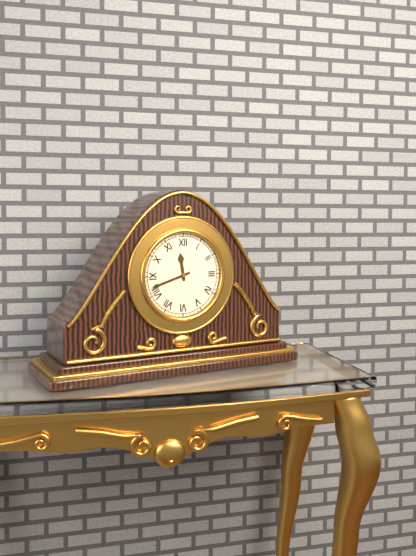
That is 11:42
